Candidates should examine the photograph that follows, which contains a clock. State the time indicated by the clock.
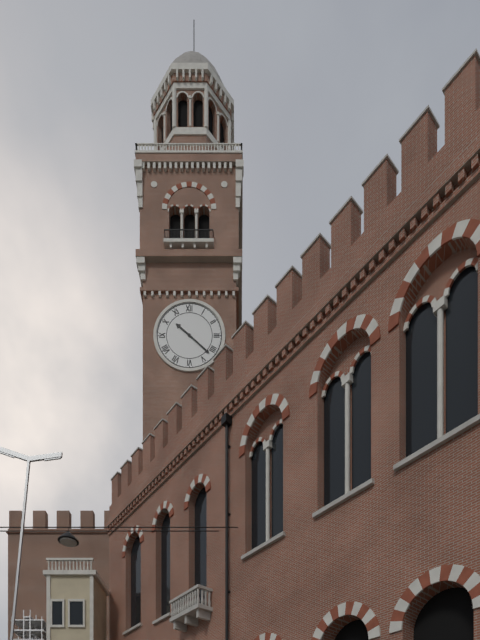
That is 10:22
